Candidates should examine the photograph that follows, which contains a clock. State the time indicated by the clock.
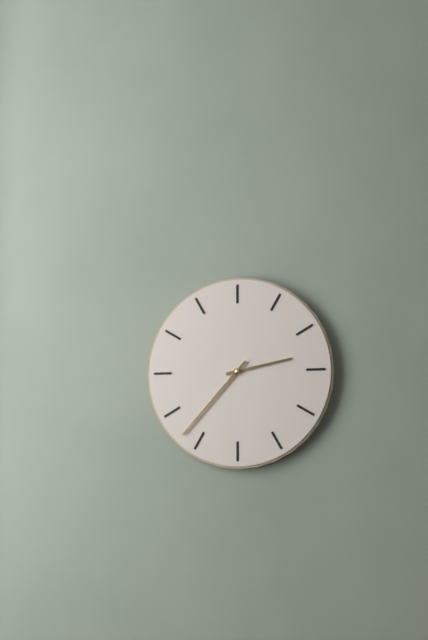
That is 2:37
